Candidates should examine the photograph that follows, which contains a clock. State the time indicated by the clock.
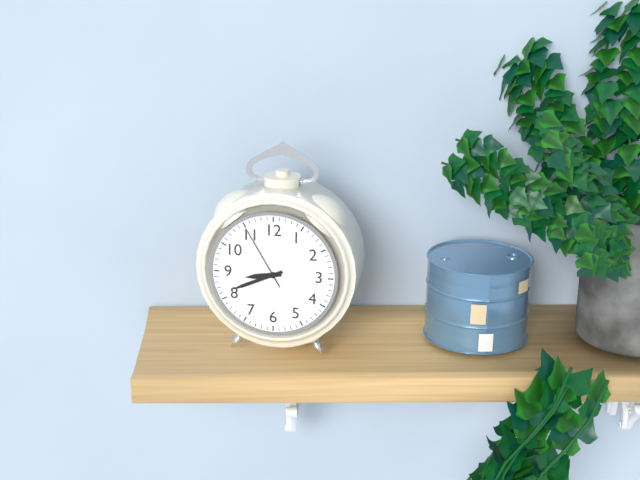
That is 8:41:55
